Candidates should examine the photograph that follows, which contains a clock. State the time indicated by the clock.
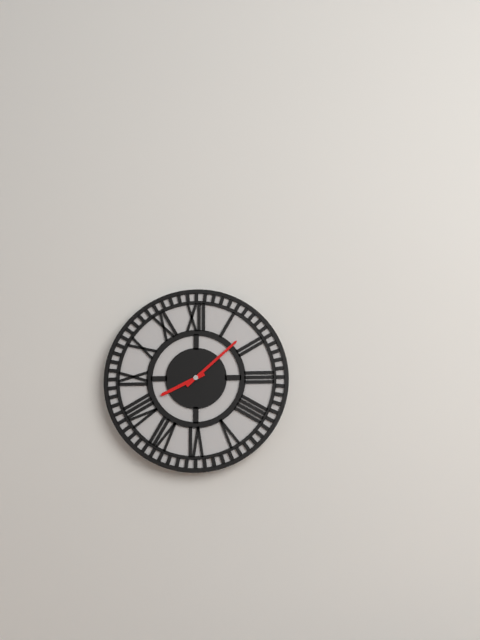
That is 8:08
